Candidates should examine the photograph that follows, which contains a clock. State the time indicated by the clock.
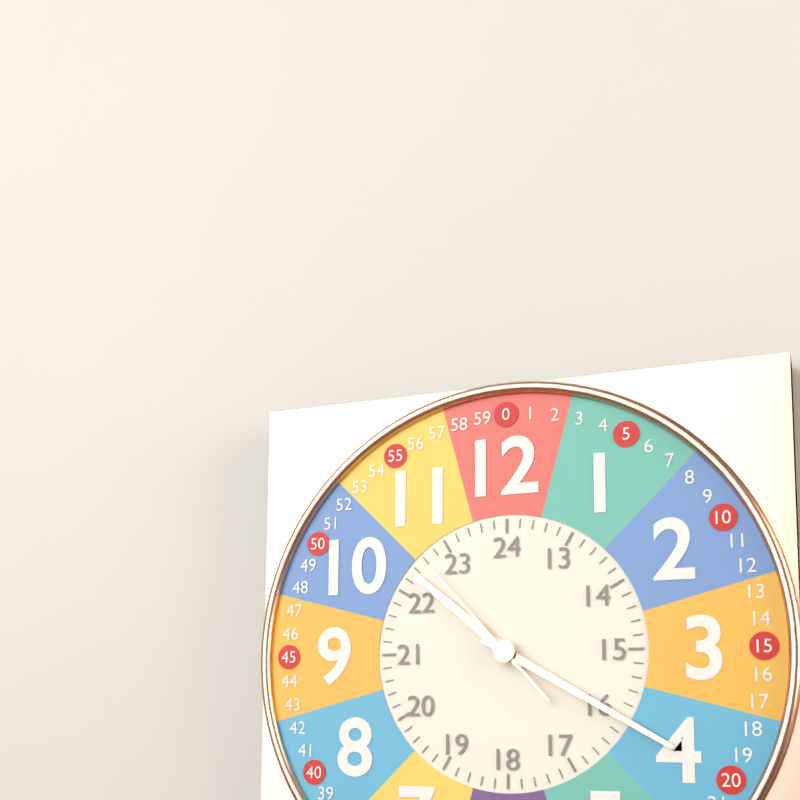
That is 10:20:53
